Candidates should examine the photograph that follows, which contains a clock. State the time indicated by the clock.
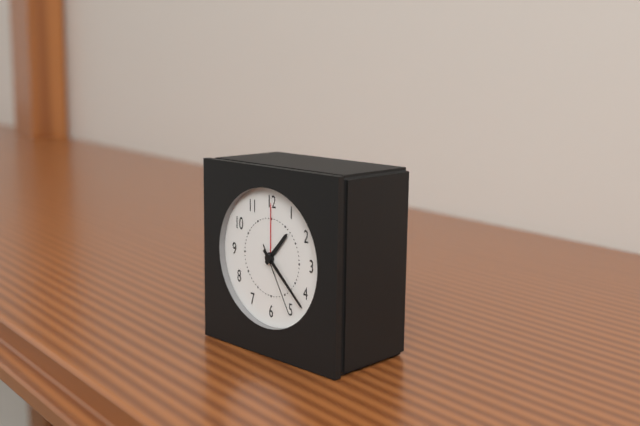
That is 1:22:25
